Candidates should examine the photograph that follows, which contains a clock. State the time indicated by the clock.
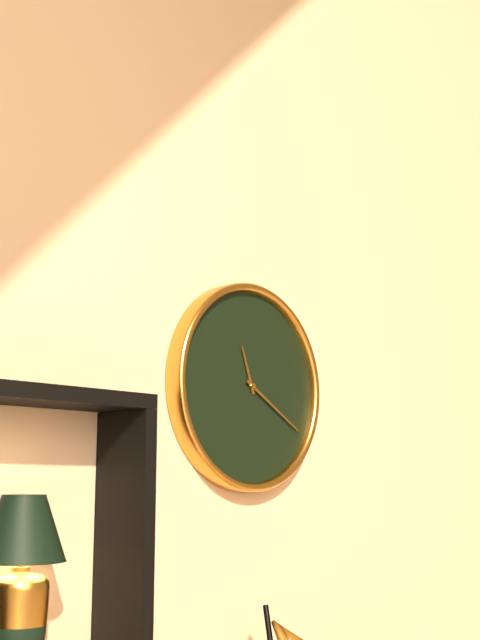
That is 11:20
